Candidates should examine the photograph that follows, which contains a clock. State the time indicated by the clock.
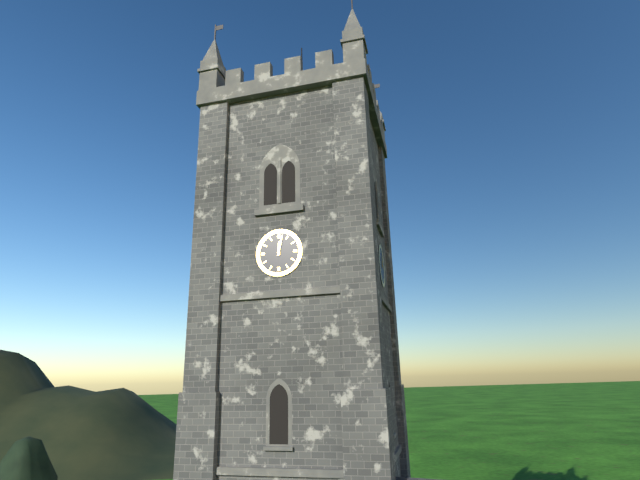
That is 12:02
